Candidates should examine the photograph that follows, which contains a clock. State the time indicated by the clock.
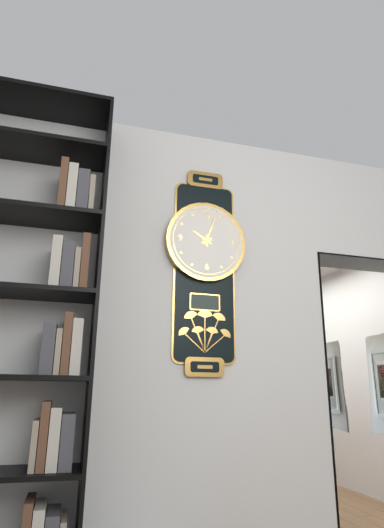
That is 10:03
